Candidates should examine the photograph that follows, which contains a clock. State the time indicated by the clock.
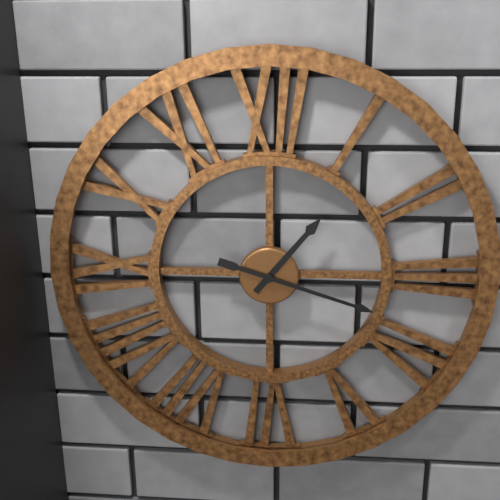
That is 1:18
